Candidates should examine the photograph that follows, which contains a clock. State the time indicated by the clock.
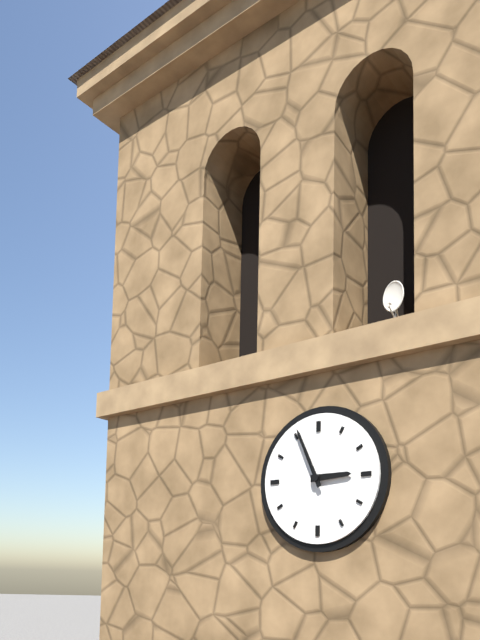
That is 2:56
